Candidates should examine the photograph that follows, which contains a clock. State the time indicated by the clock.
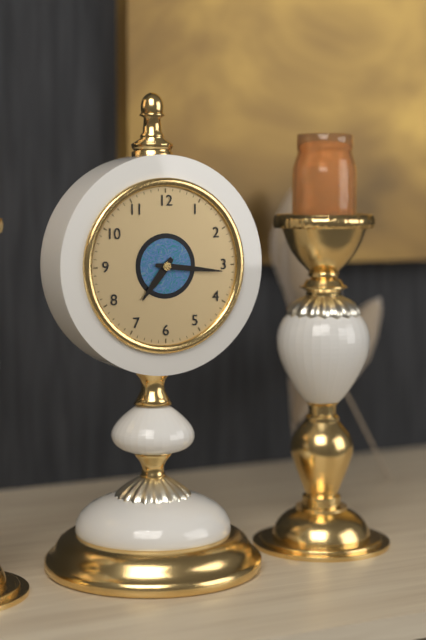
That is 7:16
